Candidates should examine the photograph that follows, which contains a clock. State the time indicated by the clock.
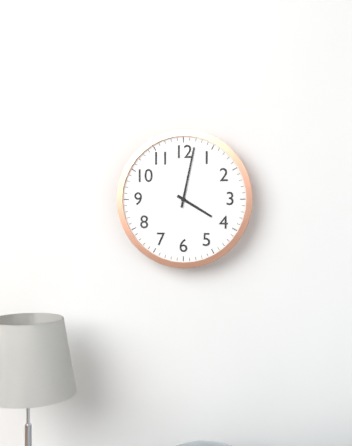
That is 4:02
